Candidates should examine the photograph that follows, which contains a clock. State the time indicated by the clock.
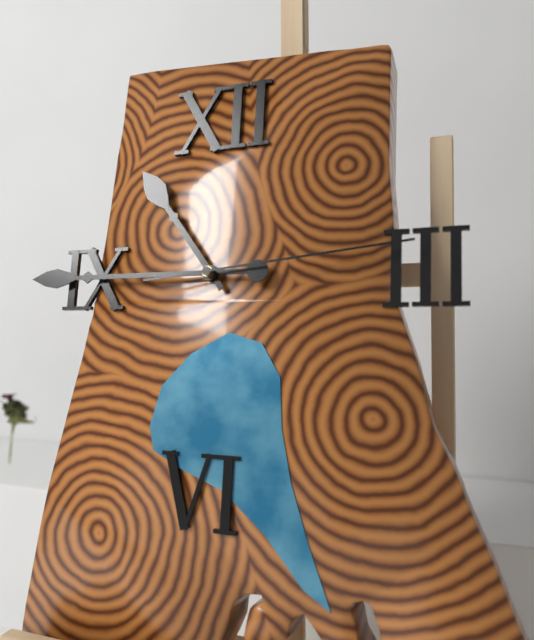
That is 10:45:14
